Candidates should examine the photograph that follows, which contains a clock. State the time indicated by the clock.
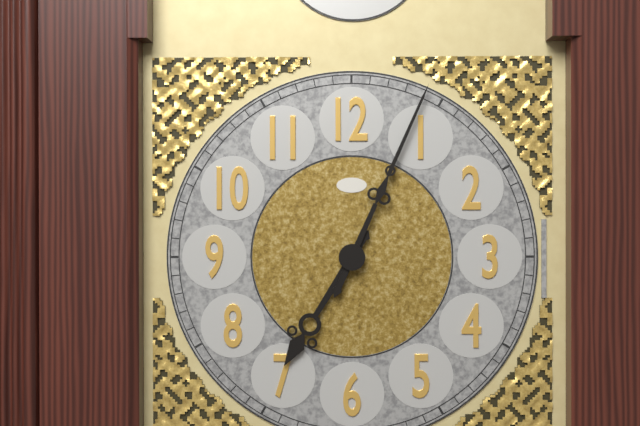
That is 7:04
